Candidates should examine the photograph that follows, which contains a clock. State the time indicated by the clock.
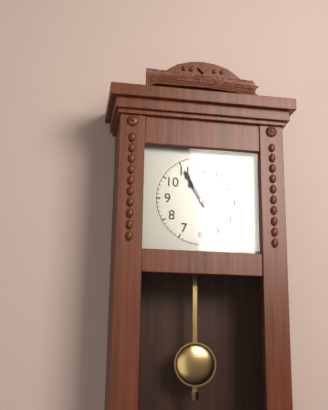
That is 10:55
